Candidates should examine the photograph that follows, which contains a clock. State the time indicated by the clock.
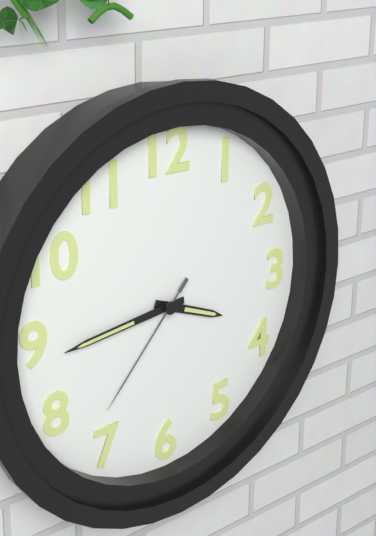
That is 3:44:37
